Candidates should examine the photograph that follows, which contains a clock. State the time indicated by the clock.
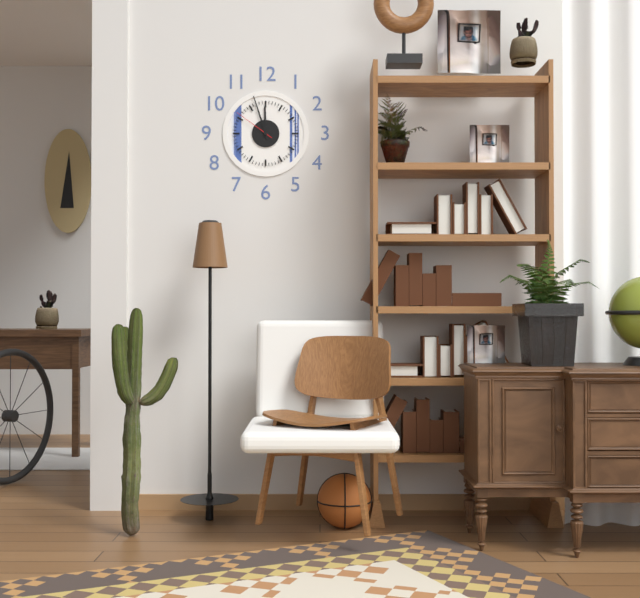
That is 11:57
